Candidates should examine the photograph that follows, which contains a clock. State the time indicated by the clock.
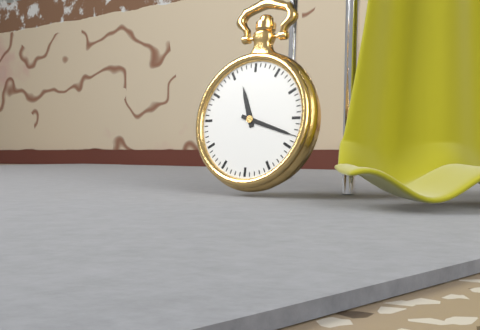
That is 11:18
